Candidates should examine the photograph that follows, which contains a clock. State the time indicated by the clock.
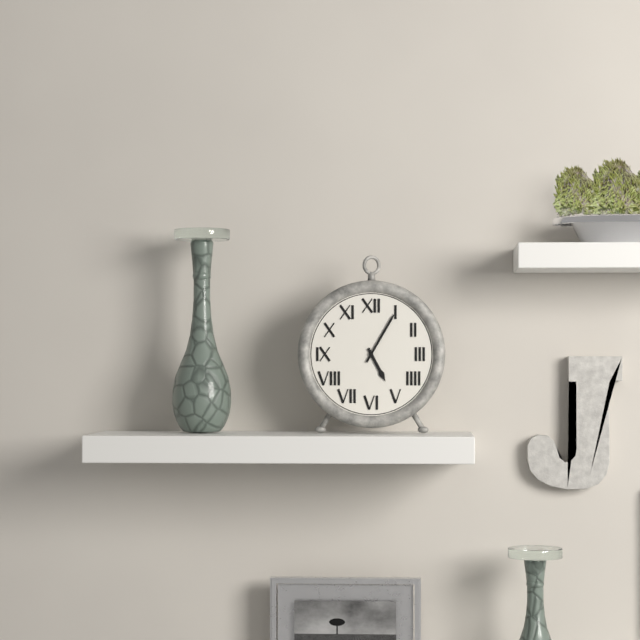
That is 5:05
